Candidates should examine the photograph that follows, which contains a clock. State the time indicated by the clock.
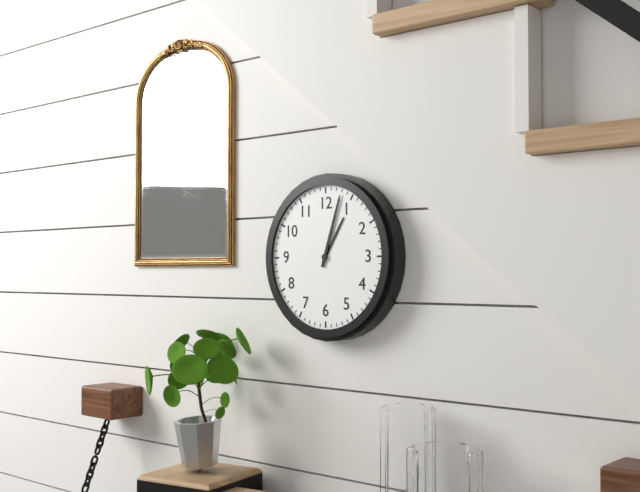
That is 1:03
